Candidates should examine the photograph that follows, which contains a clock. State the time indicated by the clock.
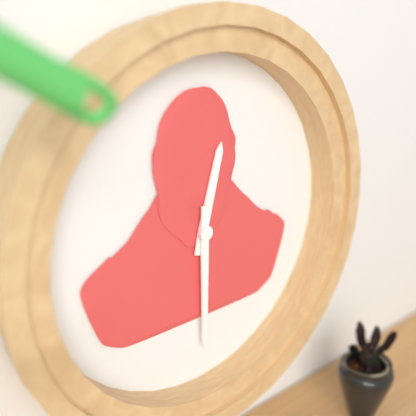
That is 12:30
